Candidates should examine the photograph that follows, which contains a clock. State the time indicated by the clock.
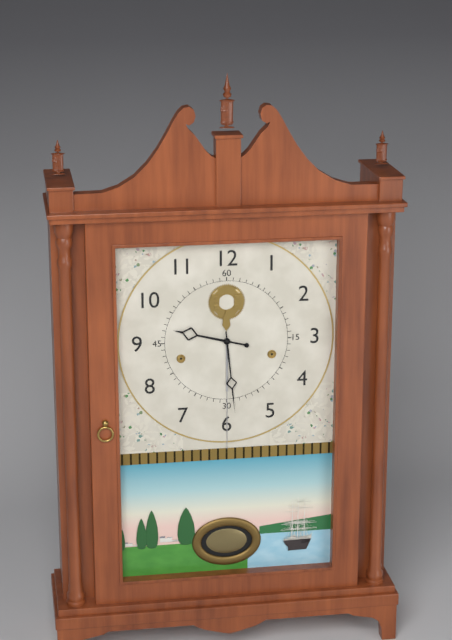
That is 9:29
